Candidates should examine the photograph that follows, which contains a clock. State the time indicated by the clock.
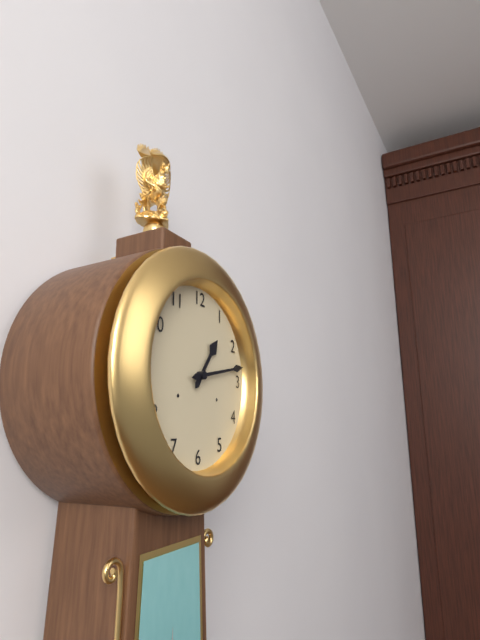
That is 1:13
